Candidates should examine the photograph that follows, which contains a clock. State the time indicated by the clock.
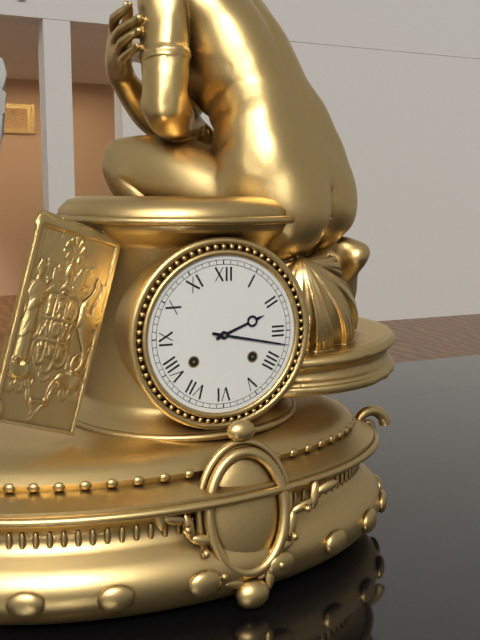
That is 2:17
